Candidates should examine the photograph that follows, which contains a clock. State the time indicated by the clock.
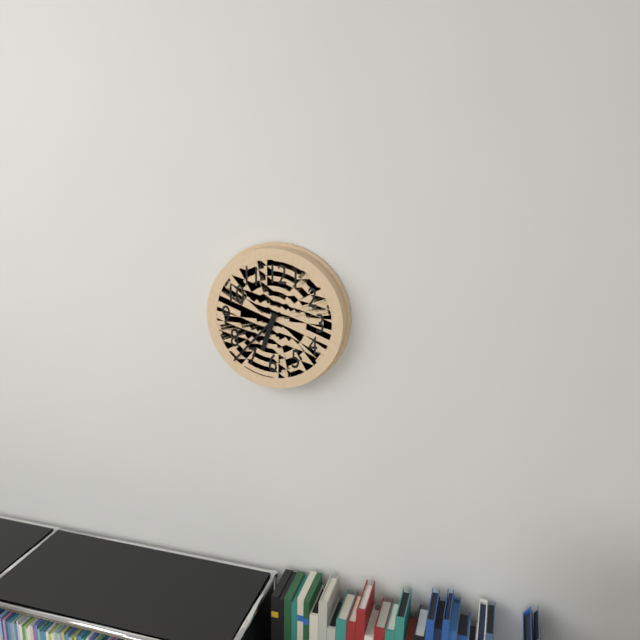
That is 6:37
